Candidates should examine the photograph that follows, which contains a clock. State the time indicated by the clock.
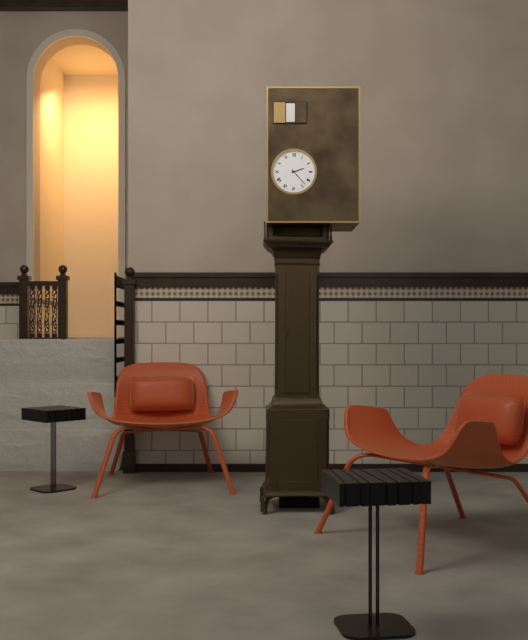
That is 2:23
